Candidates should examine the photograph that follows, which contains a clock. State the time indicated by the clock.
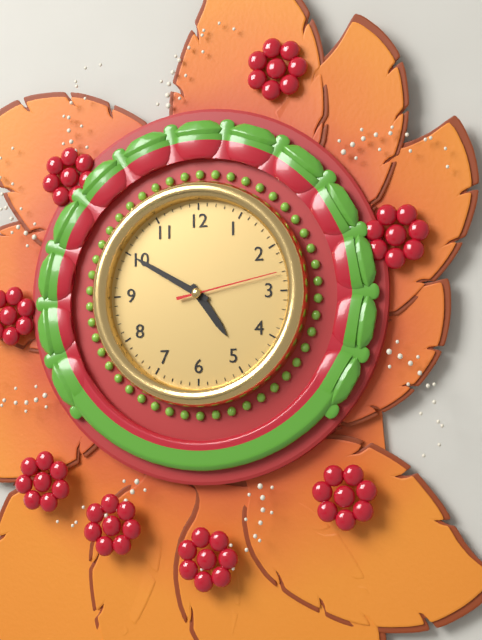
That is 4:50:13
